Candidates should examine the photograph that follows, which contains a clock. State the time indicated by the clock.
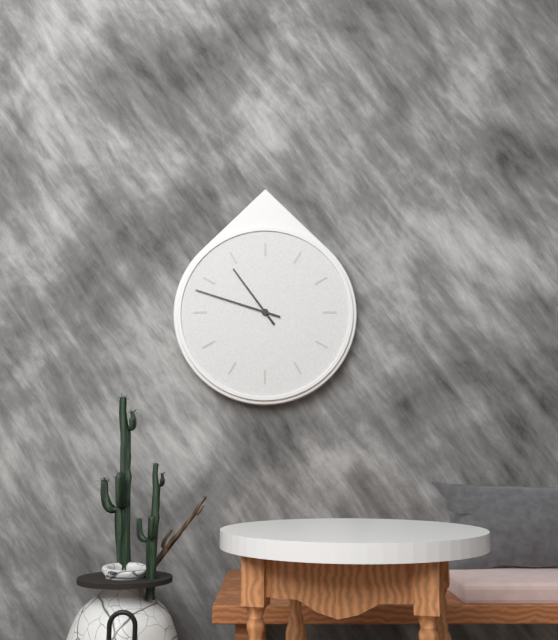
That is 10:48
